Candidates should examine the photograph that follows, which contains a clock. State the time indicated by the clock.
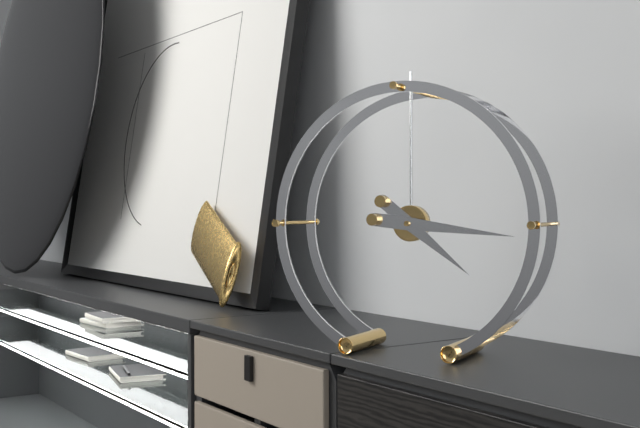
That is 4:16
